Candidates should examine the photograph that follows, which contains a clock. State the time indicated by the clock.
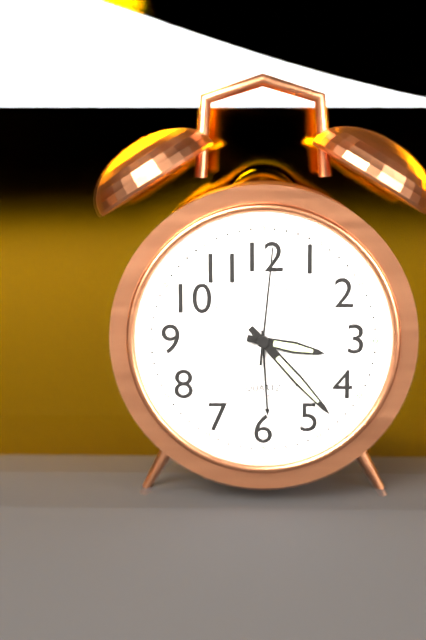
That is 3:23:01
